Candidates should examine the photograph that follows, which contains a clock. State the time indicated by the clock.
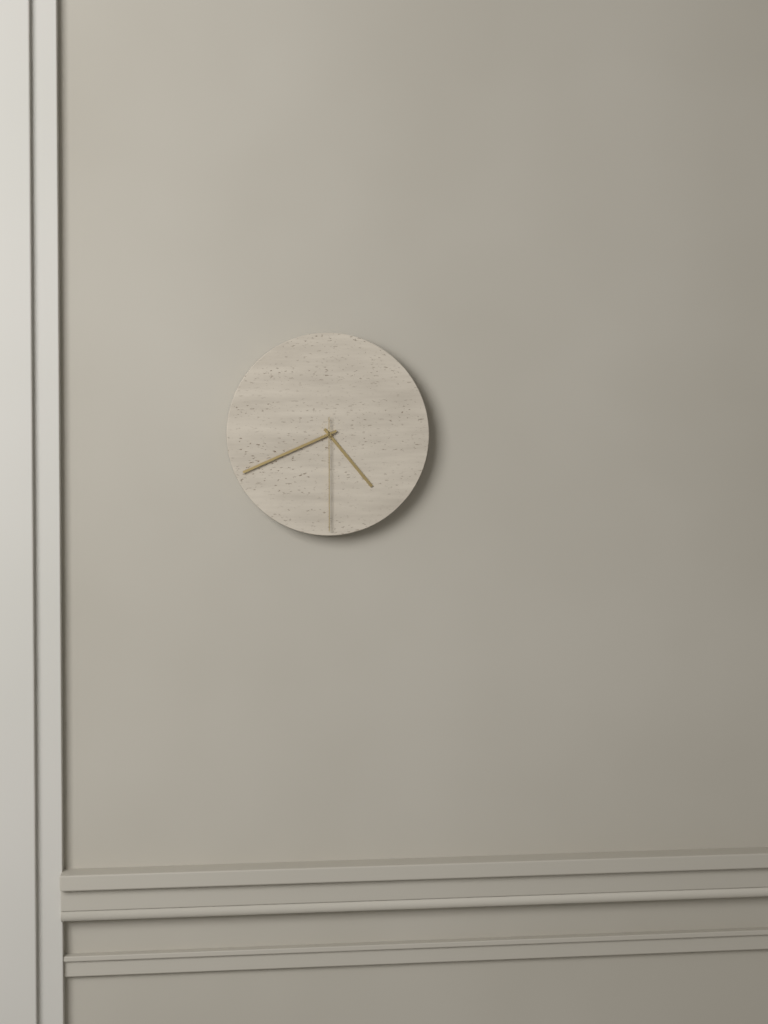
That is 4:41:30
